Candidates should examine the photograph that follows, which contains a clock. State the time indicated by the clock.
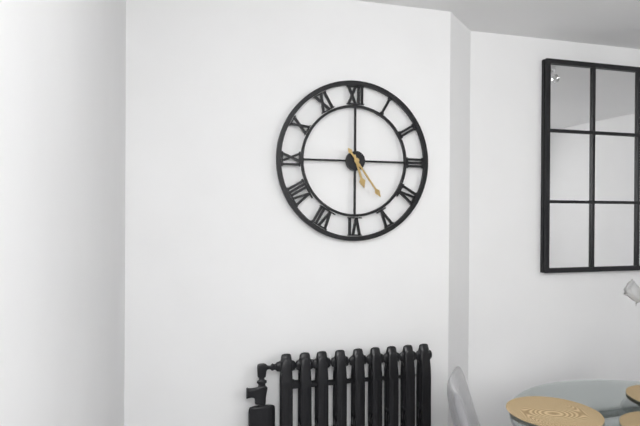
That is 5:24
